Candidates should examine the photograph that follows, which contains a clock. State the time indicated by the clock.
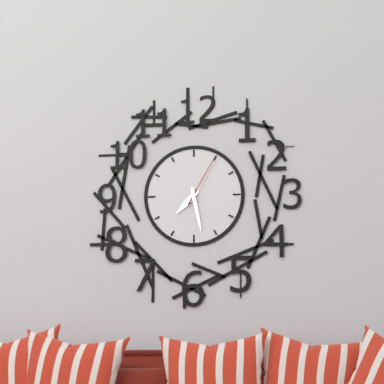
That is 7:28:05
